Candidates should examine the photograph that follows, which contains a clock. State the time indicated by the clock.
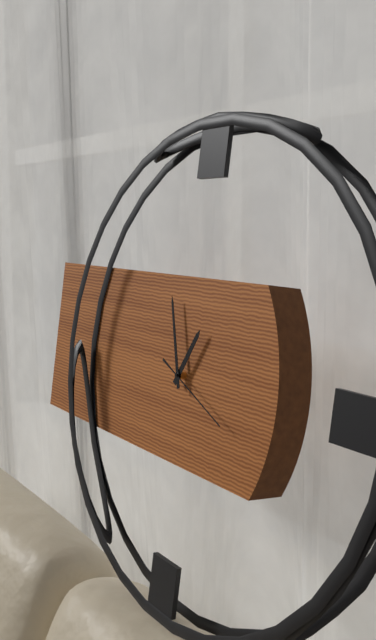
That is 12:57:19
